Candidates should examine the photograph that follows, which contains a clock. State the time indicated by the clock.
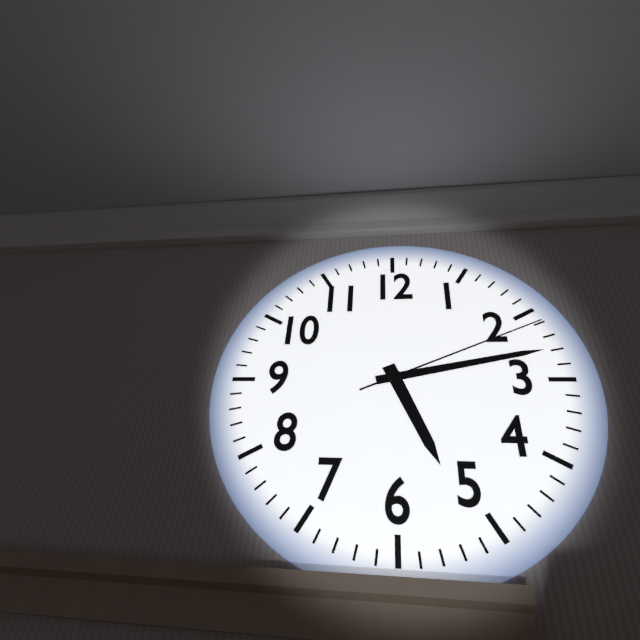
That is 5:13:11
